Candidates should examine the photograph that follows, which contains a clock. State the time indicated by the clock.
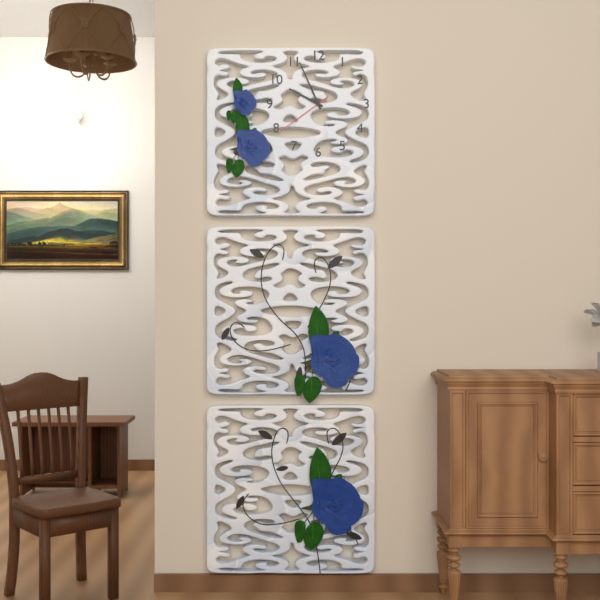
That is 9:56:39
